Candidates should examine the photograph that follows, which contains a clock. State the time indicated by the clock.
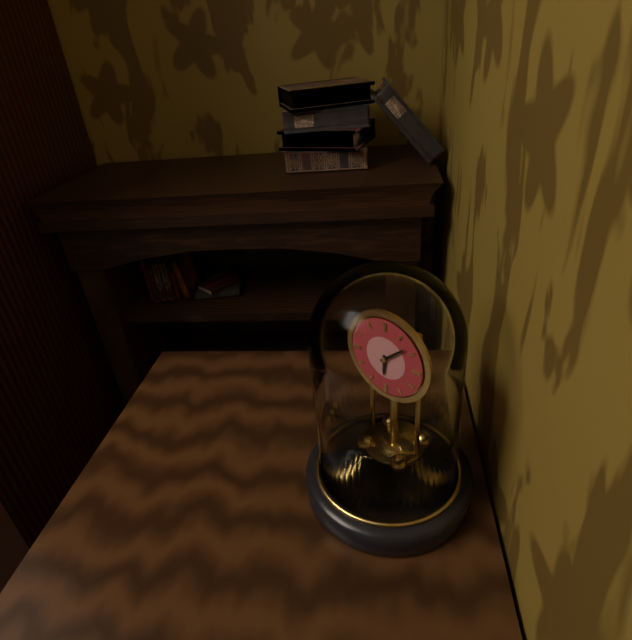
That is 6:08
